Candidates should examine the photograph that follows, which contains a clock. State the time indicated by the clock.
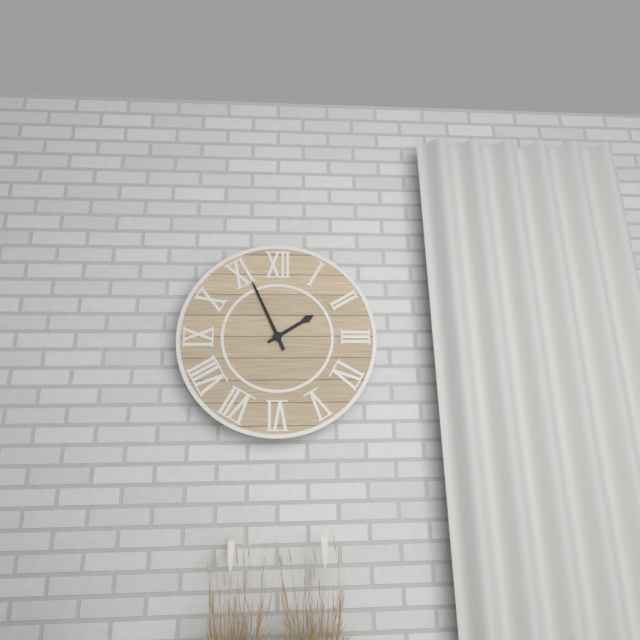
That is 1:56
